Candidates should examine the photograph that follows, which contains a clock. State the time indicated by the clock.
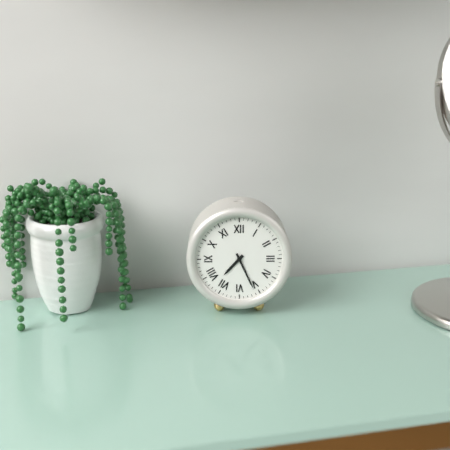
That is 7:26
